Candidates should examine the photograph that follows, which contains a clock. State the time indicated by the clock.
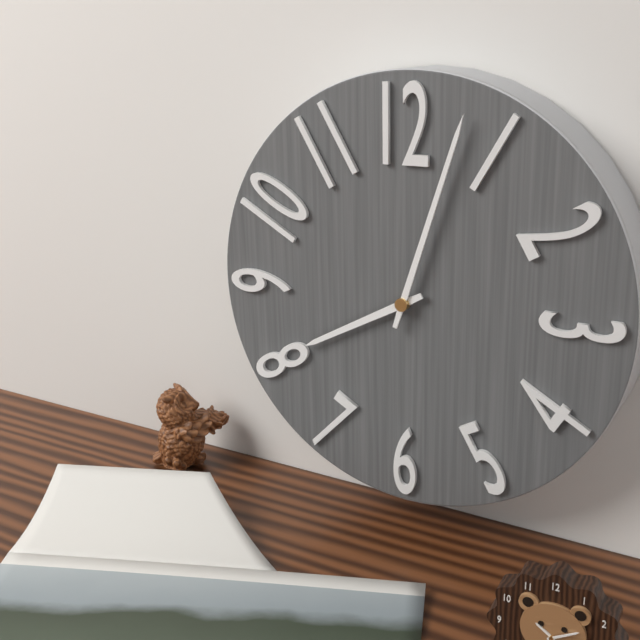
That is 8:03
